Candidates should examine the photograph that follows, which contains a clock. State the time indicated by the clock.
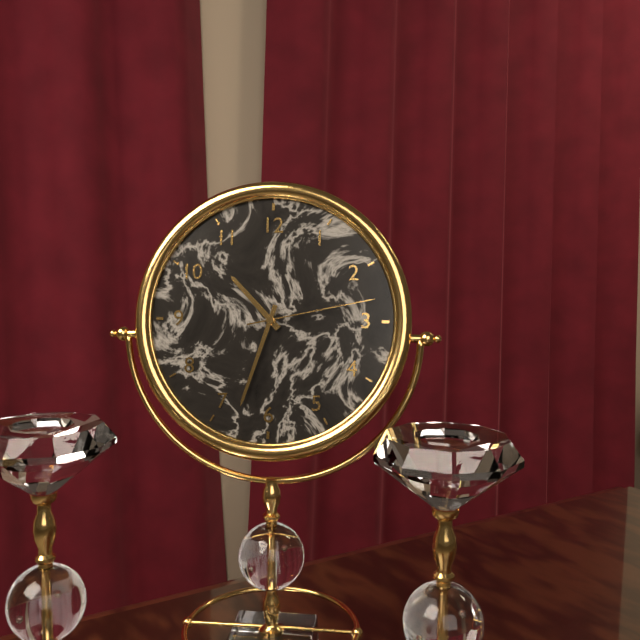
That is 10:33:13
